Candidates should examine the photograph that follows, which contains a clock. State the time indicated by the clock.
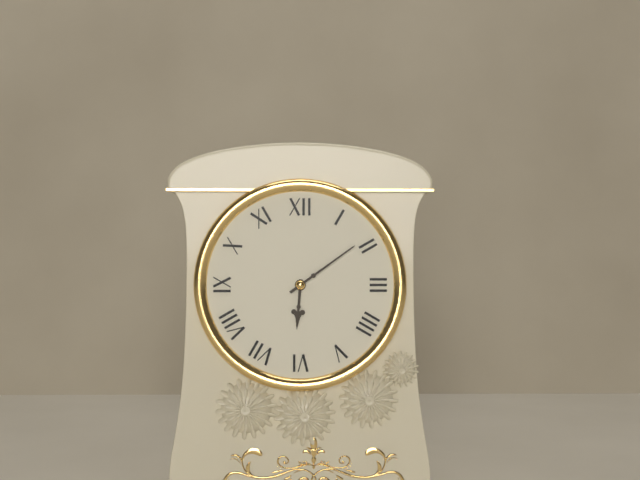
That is 6:09
